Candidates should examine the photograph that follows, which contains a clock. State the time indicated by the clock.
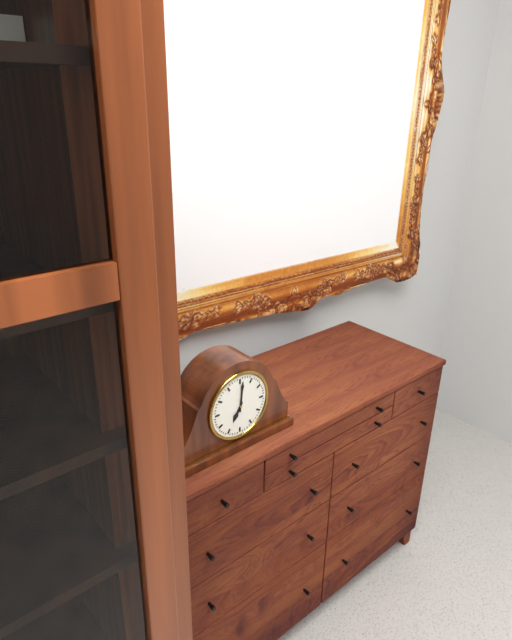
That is 7:01
